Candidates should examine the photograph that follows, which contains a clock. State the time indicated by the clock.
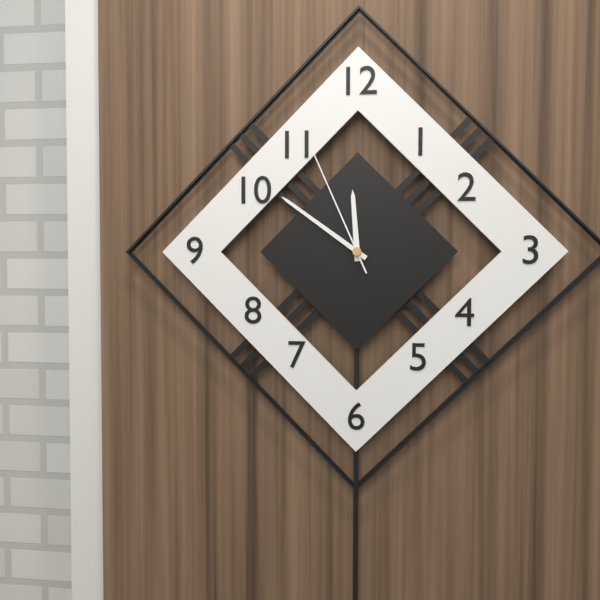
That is 11:51:56
